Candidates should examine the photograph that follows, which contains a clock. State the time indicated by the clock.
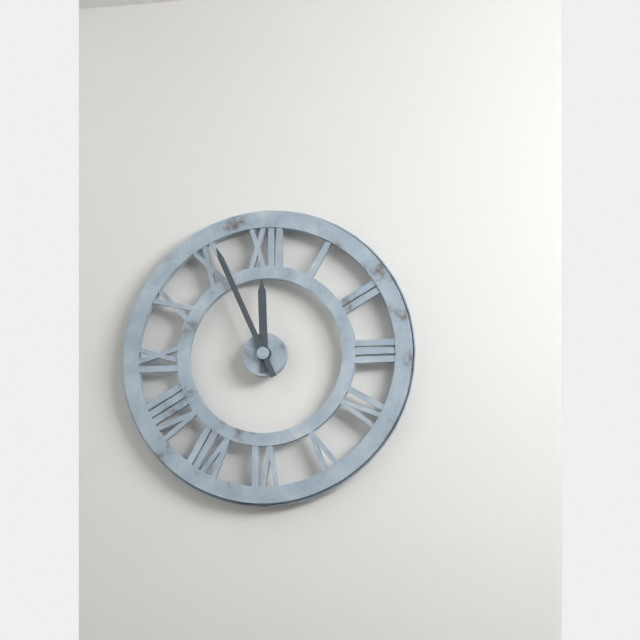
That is 11:56
